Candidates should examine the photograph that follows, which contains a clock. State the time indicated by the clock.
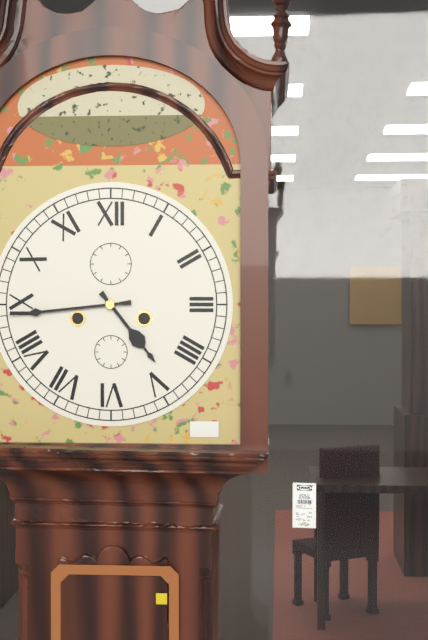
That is 4:44
